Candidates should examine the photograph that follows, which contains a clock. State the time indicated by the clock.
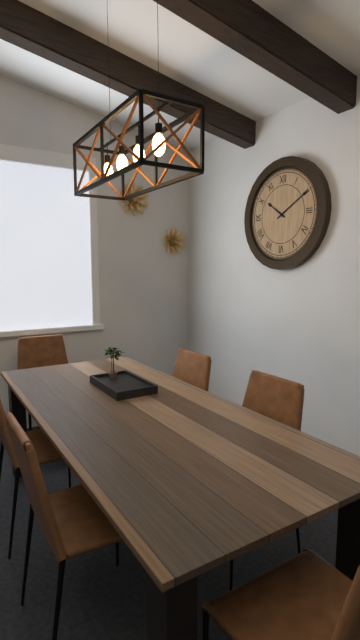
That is 10:10
